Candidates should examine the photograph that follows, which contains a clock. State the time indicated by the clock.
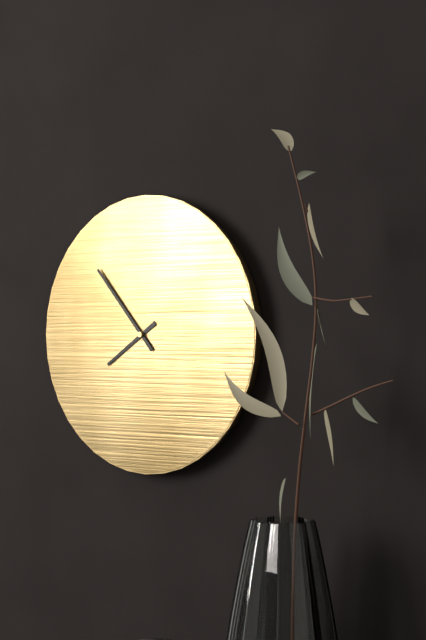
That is 7:53
